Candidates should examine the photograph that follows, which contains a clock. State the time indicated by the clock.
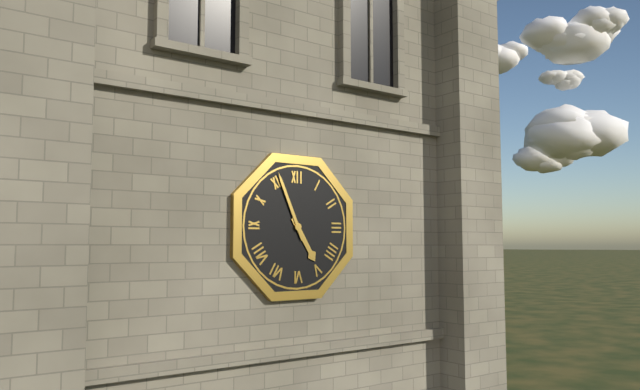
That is 4:56
